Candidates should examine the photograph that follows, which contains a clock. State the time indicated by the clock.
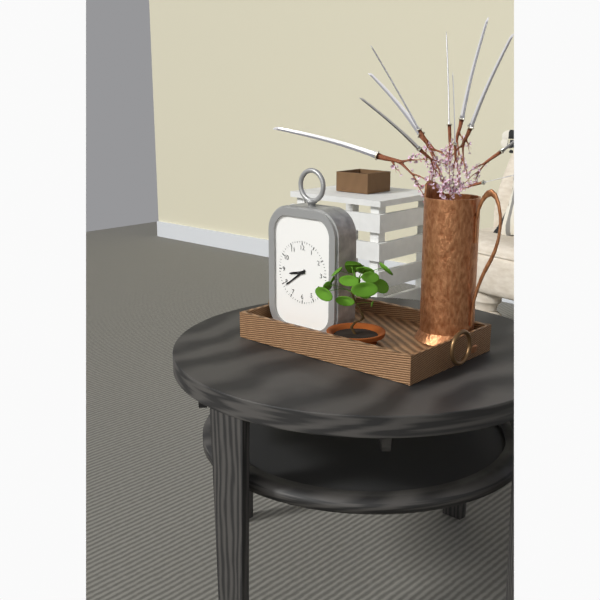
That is 8:39
